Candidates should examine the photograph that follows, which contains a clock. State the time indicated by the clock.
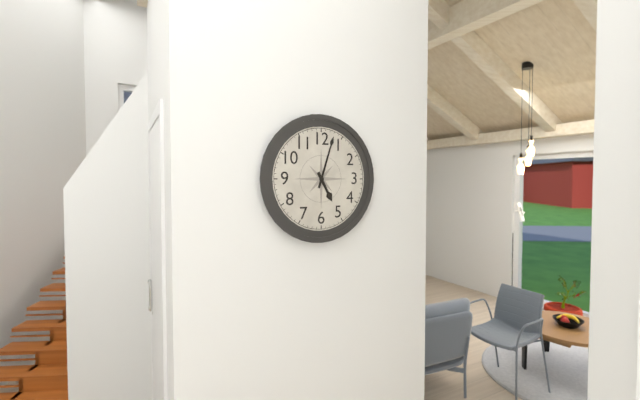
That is 5:03
